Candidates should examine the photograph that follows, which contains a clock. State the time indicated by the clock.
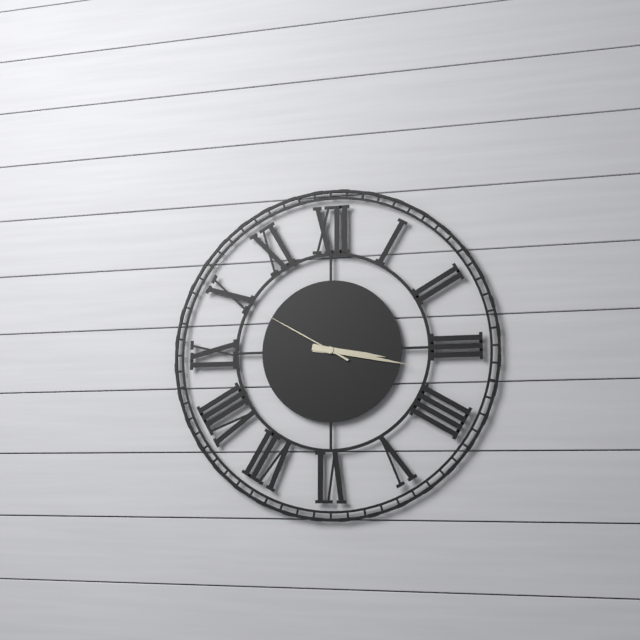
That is 3:17:50
